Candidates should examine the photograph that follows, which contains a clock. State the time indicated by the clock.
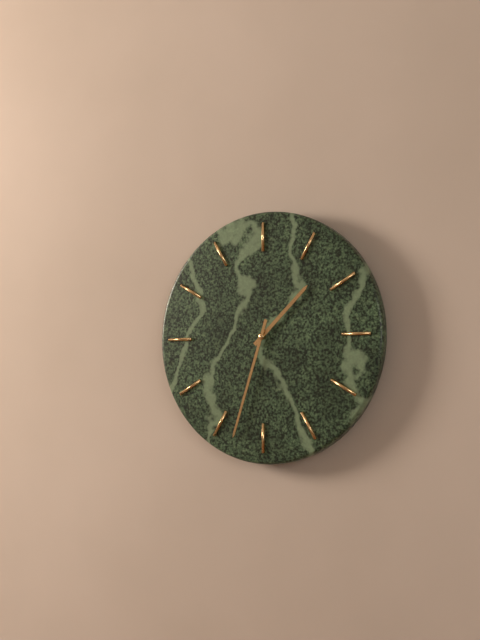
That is 1:33
